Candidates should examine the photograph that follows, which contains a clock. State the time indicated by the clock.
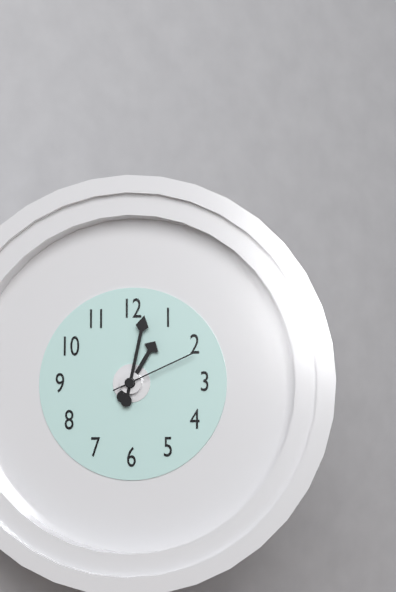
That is 1:02:11
